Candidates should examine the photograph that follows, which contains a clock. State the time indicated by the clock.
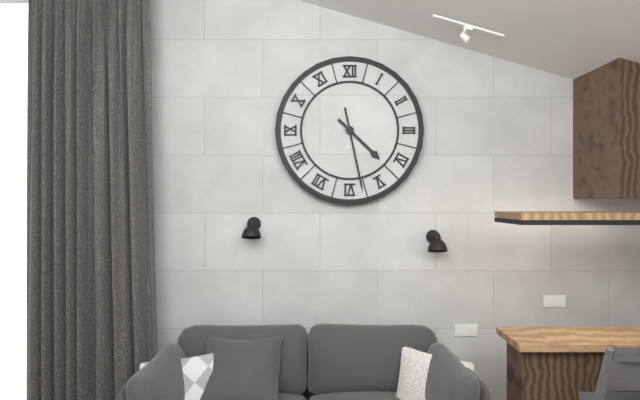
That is 4:28
